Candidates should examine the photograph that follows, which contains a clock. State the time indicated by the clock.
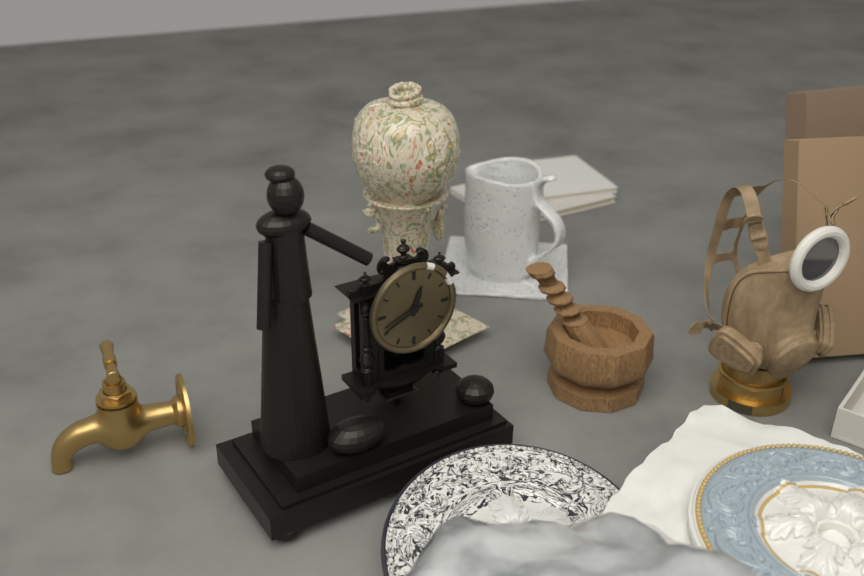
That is 12:41
